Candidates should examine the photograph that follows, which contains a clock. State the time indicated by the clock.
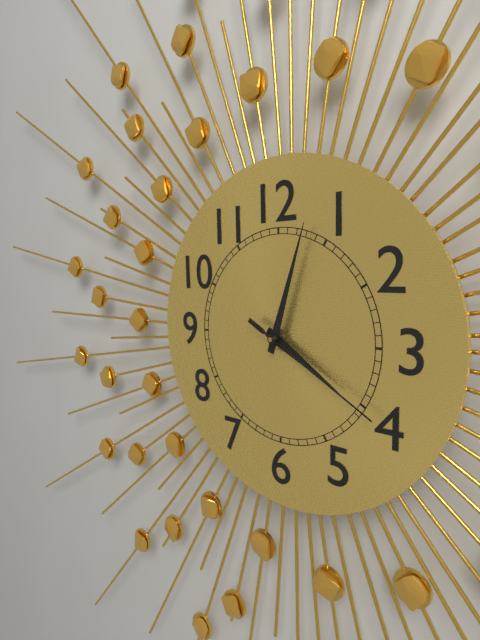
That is 4:03:20
